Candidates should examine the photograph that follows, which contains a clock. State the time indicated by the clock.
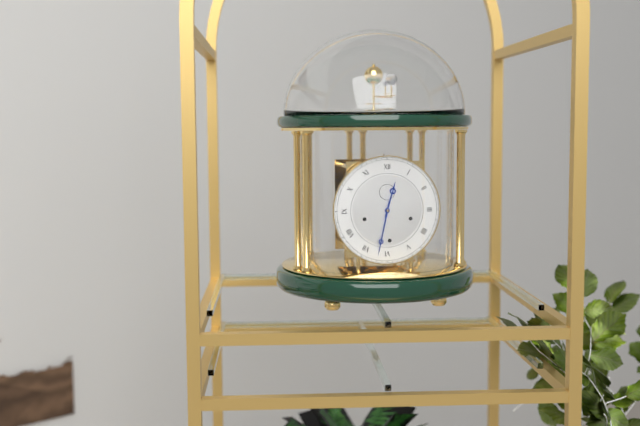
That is 12:32
